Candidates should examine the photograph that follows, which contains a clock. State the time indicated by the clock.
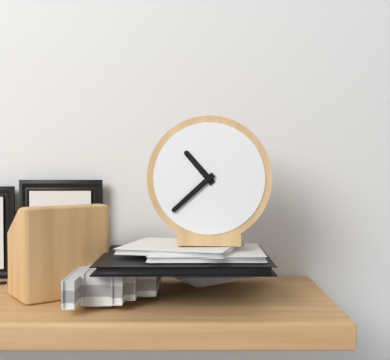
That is 10:38
